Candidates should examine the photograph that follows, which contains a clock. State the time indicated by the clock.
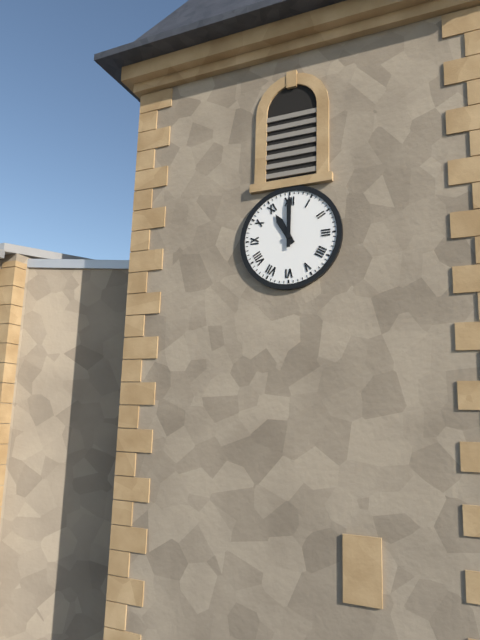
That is 11:00
